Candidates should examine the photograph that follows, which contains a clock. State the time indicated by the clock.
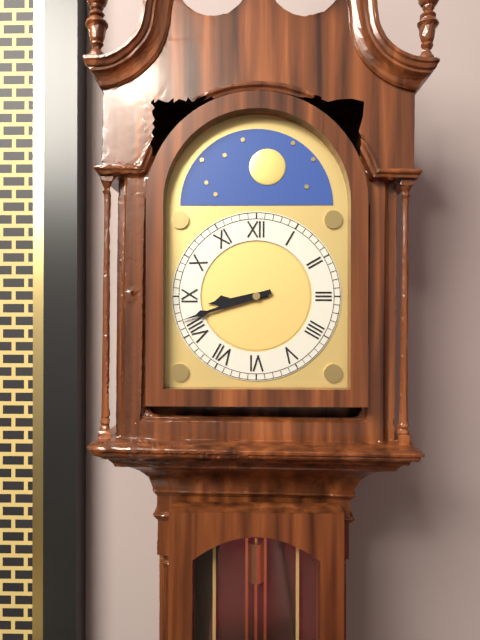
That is 8:42
